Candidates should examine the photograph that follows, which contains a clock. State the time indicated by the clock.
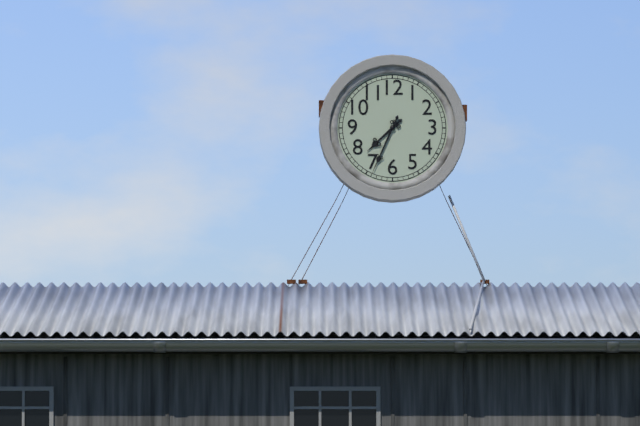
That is 7:34
